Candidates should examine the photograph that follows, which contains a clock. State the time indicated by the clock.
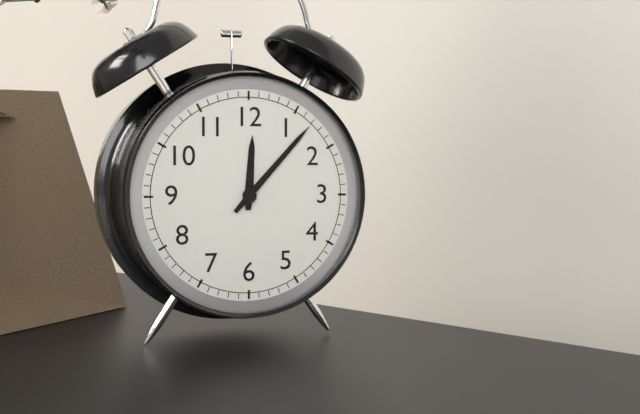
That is 12:07
